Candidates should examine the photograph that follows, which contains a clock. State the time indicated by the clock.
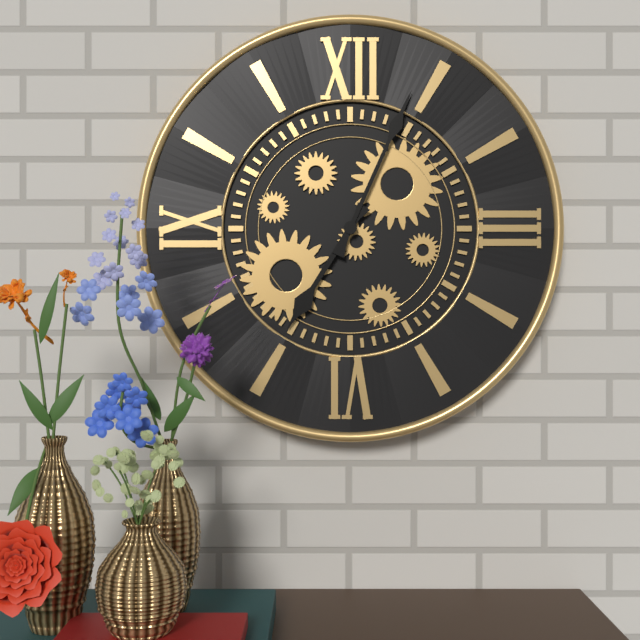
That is 7:04
